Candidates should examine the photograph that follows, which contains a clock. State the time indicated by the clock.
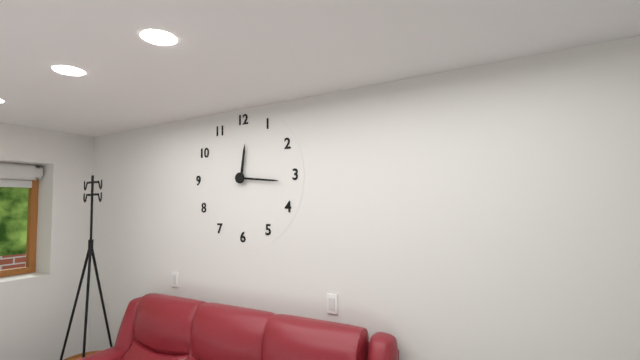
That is 12:16
